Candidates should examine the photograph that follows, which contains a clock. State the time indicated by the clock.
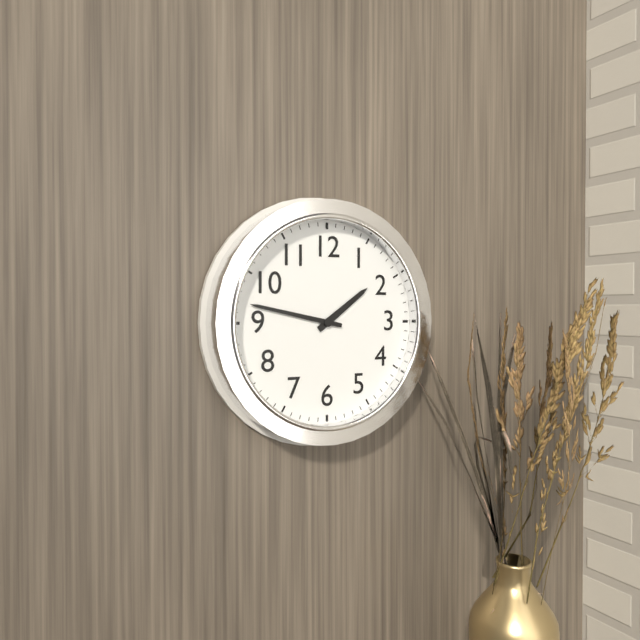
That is 1:47
